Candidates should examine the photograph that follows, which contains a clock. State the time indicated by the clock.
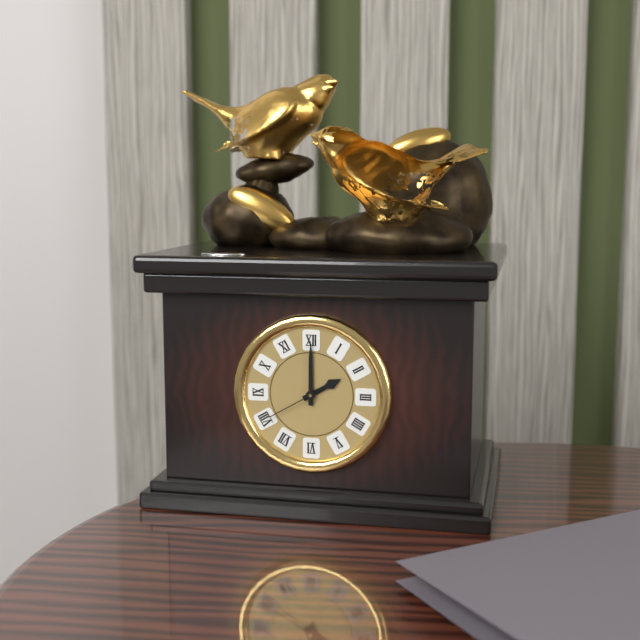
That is 2:00:40
